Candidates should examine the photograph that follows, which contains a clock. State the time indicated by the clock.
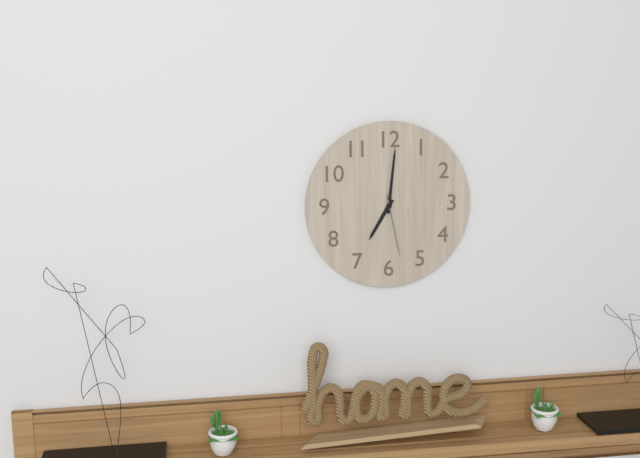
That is 7:01:28
